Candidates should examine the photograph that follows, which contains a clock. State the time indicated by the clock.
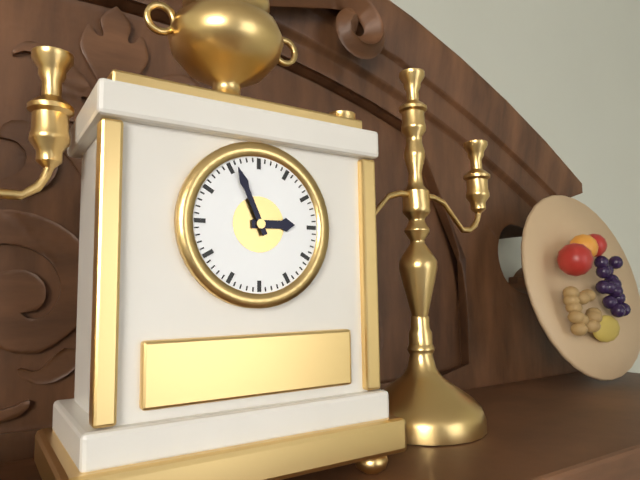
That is 2:56
